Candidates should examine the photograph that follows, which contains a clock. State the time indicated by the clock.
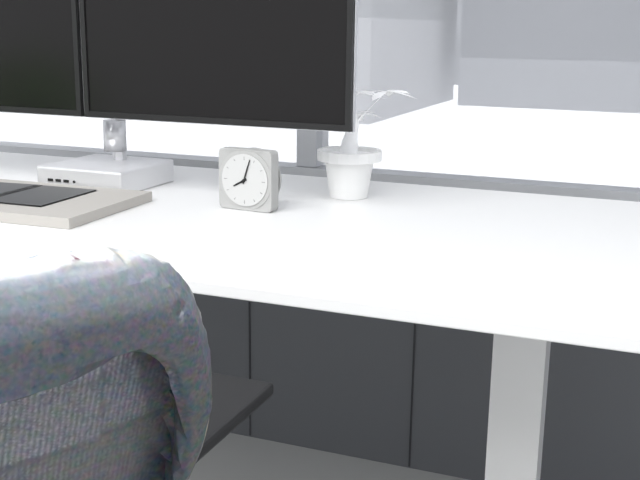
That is 8:03
